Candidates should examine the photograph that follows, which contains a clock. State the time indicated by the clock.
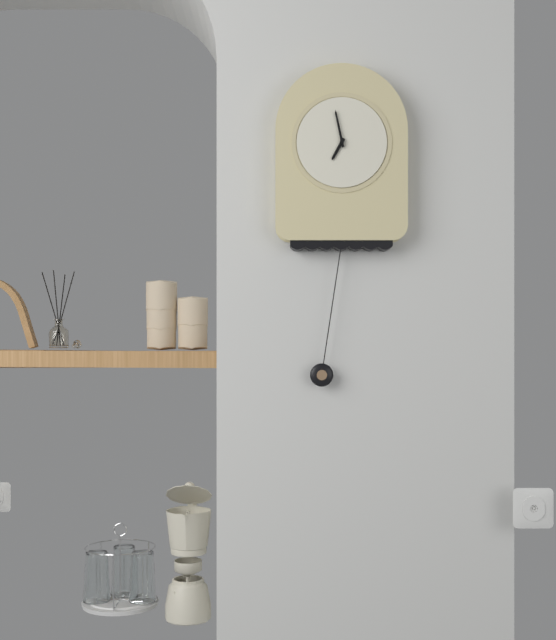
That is 6:58
